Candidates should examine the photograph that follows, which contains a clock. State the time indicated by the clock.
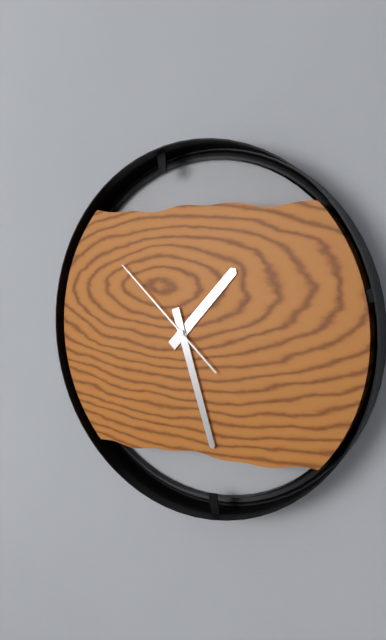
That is 1:27:52
